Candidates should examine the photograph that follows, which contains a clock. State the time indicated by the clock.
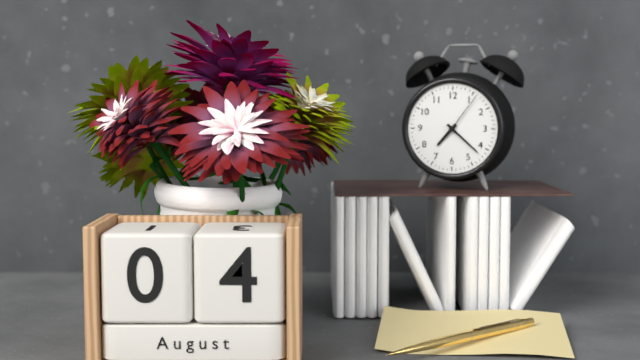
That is 7:22:06
